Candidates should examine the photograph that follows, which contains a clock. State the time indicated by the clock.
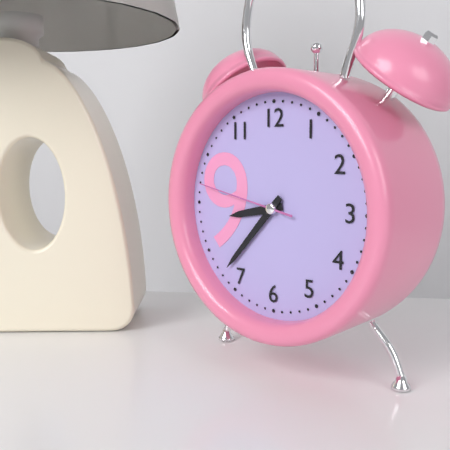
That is 8:37:47
